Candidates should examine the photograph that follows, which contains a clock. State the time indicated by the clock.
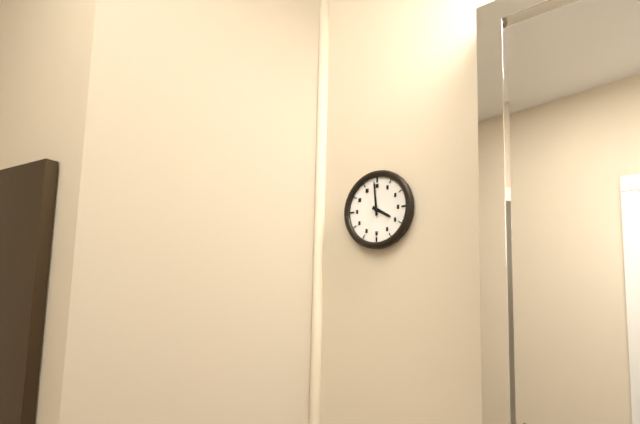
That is 3:59
